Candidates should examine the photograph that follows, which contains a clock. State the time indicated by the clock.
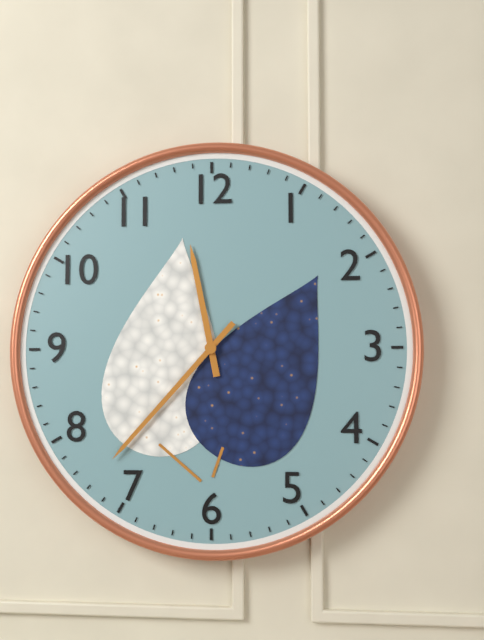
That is 11:37
